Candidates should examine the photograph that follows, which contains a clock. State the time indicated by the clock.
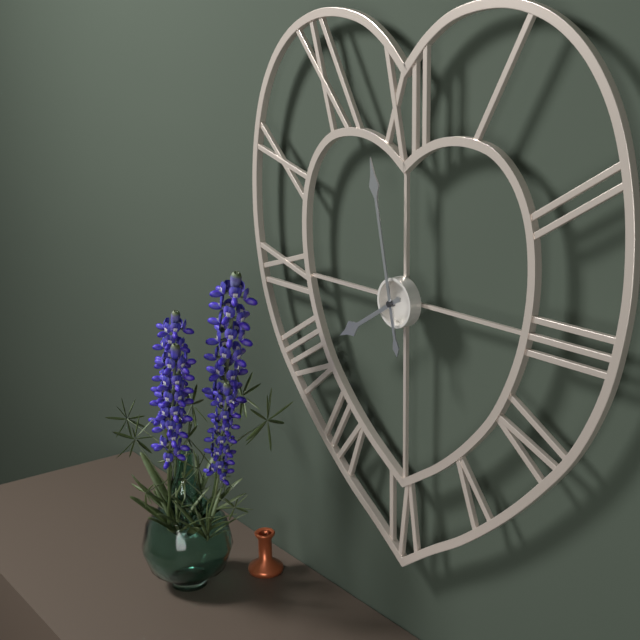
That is 7:58
